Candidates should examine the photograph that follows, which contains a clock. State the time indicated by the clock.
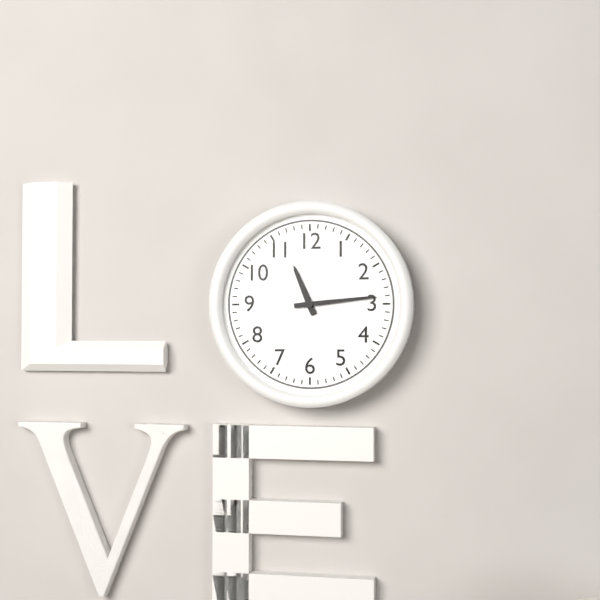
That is 11:14
